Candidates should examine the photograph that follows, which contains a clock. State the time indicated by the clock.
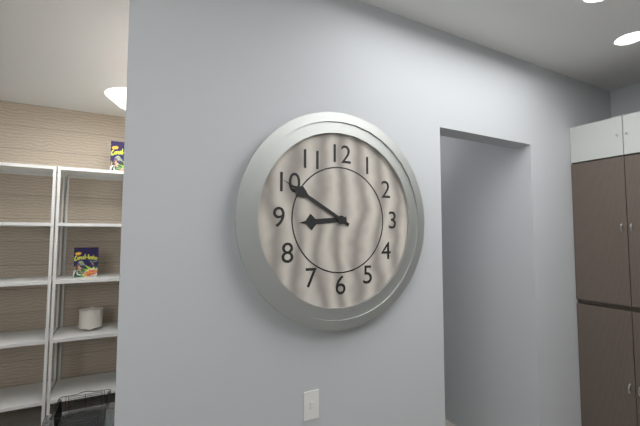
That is 8:50
